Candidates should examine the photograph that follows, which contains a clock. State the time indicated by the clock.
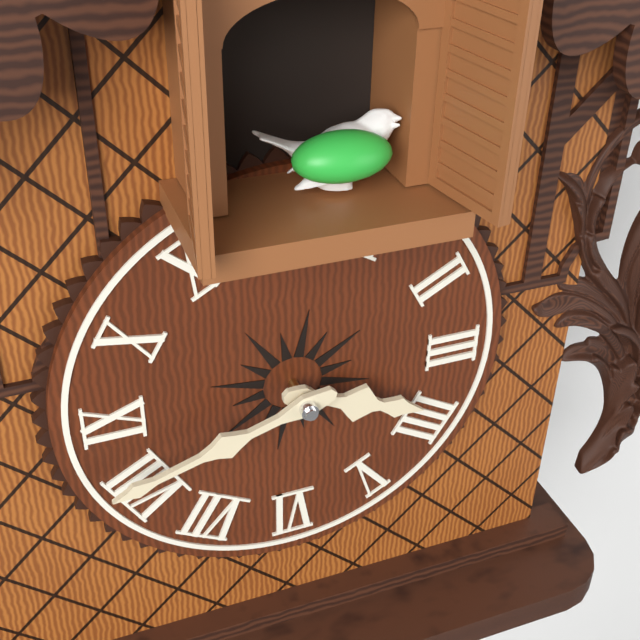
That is 3:42
